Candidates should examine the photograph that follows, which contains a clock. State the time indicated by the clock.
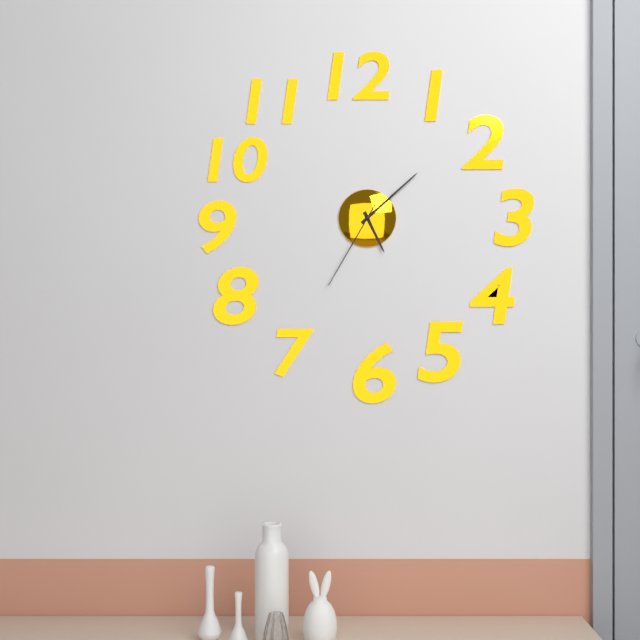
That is 5:08:35
